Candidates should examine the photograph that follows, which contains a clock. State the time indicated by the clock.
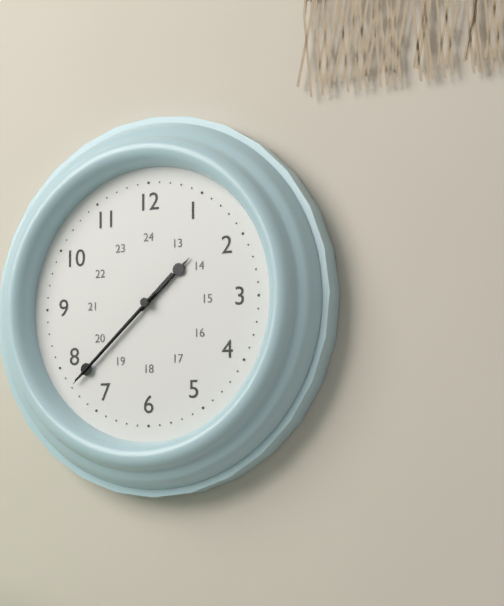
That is 1:38:38
